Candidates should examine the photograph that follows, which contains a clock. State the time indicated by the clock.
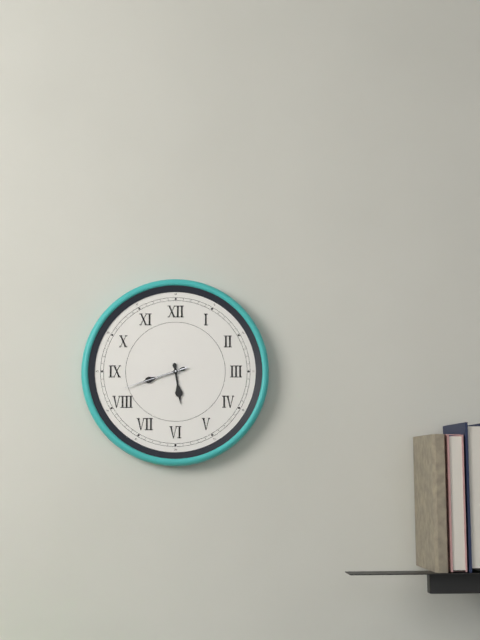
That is 5:42:42
